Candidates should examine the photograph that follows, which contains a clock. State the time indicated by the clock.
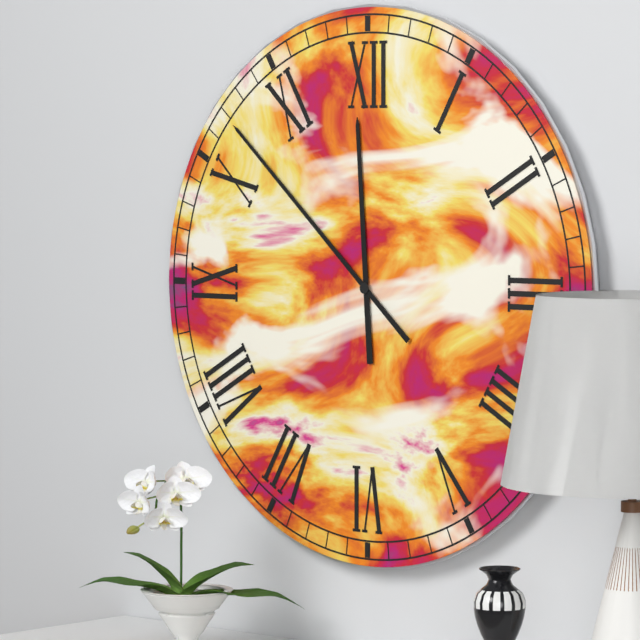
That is 11:52
